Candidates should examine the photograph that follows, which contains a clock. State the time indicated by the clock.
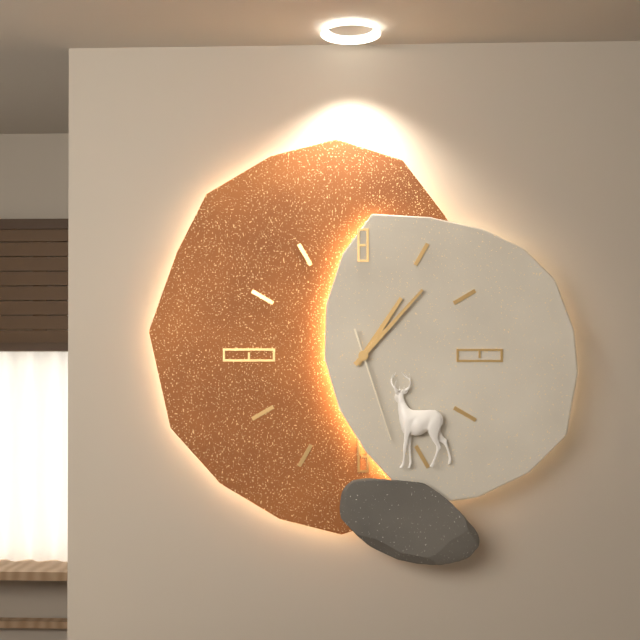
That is 1:07:27
